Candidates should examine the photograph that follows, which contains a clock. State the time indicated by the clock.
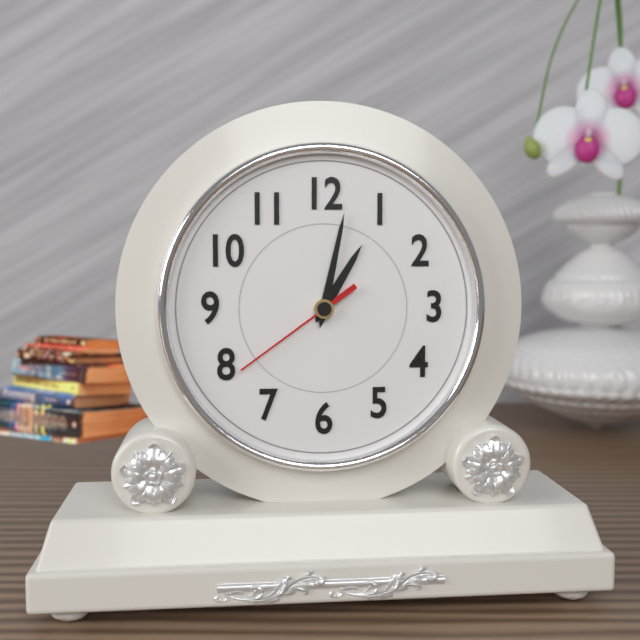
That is 1:02:39
